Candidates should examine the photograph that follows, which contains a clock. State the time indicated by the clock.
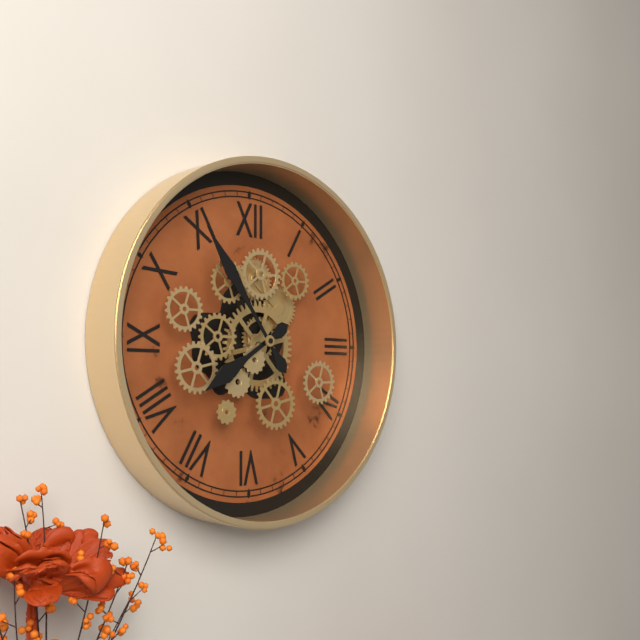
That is 7:54
